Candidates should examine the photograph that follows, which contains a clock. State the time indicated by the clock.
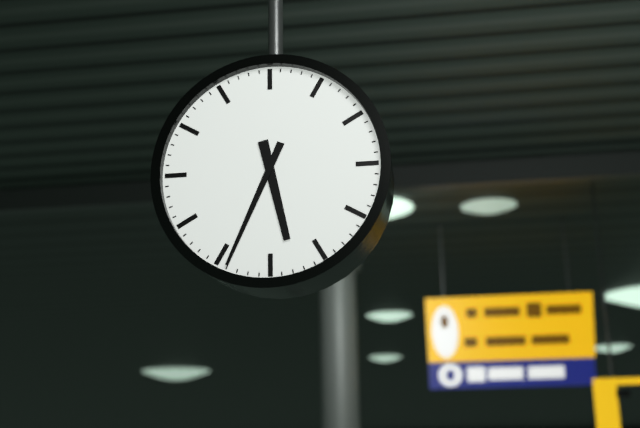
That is 5:34
